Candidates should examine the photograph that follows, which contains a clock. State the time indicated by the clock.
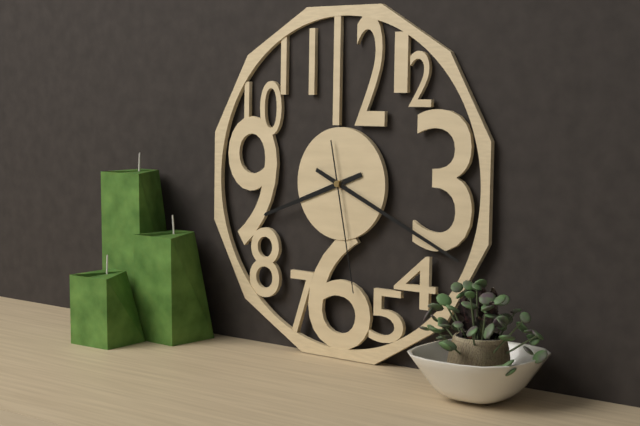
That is 8:19:28
